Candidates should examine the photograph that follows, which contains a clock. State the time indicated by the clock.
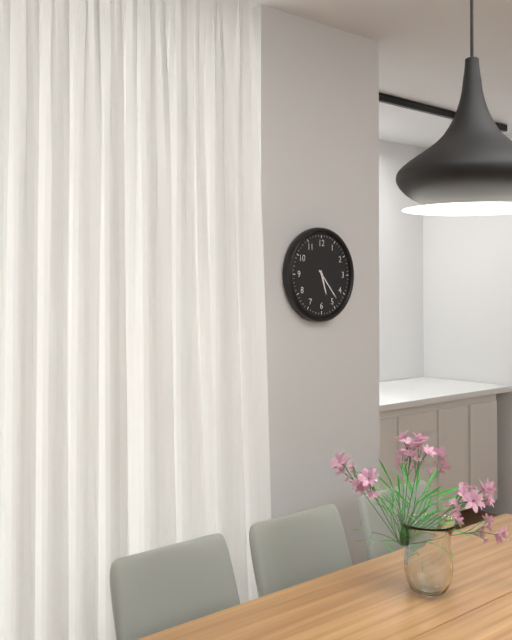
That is 5:23
